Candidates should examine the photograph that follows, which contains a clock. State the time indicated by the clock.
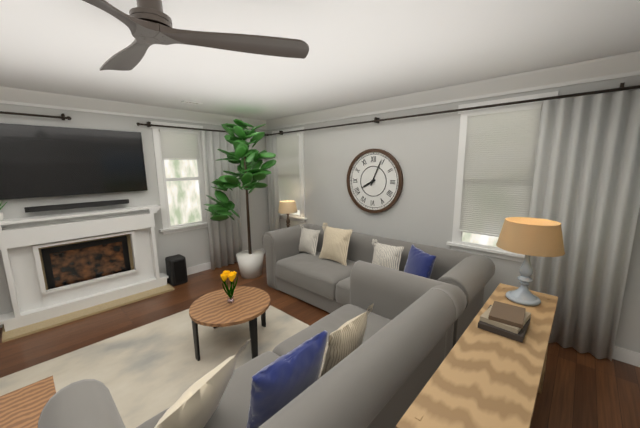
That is 8:04
